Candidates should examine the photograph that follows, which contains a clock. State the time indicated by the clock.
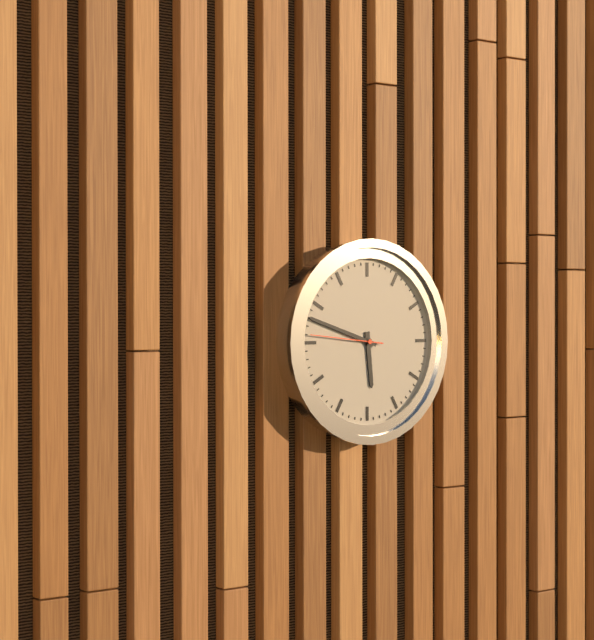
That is 5:48:46
